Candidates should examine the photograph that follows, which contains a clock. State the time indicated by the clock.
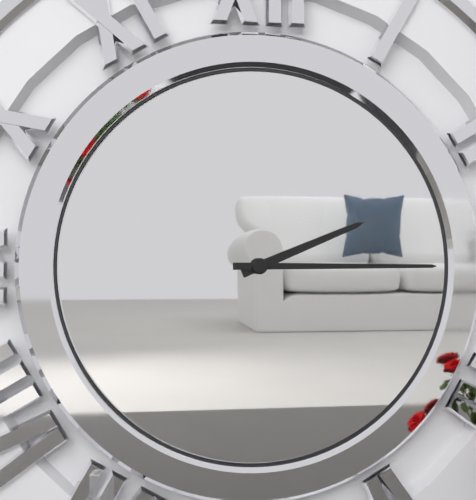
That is 2:15
